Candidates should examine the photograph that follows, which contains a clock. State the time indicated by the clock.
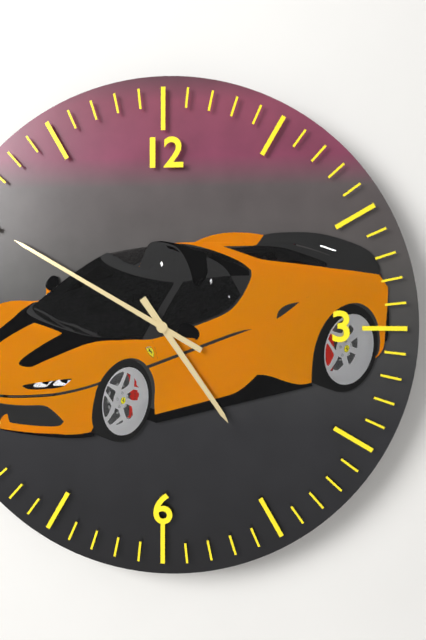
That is 4:50
